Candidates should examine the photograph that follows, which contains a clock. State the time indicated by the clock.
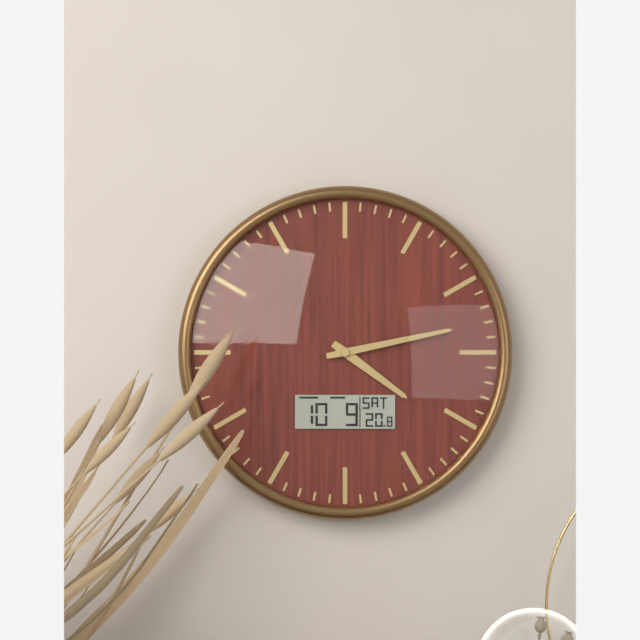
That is 4:13
